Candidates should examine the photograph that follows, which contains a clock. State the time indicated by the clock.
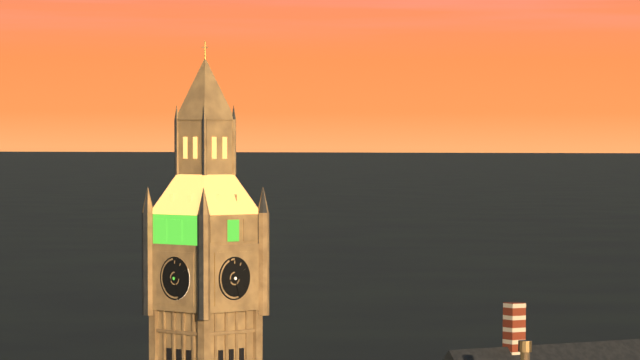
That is 8:27
